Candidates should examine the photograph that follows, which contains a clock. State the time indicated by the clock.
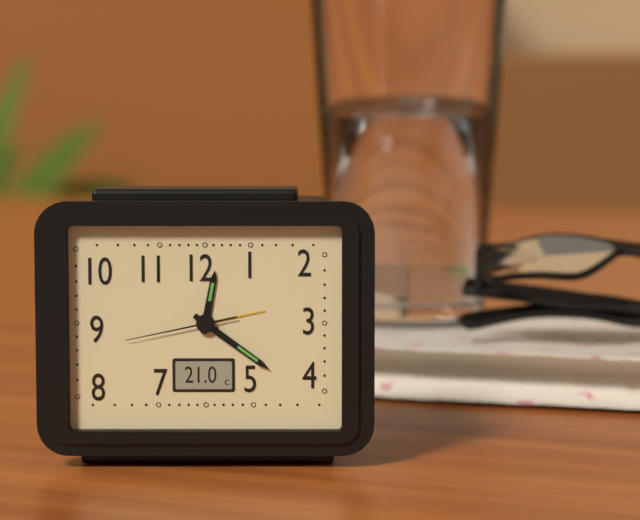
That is 12:21:43
